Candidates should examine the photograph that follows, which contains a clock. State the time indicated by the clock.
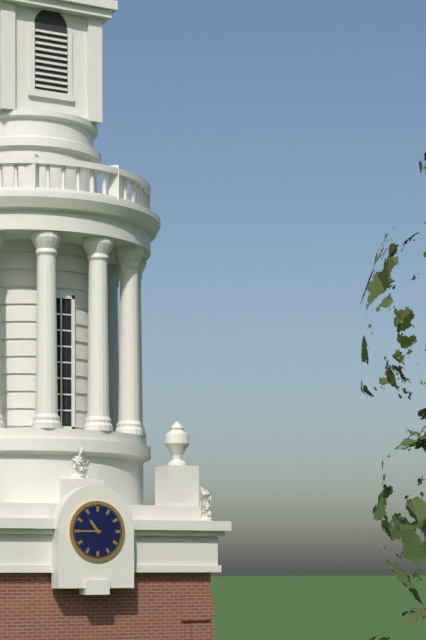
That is 10:45
